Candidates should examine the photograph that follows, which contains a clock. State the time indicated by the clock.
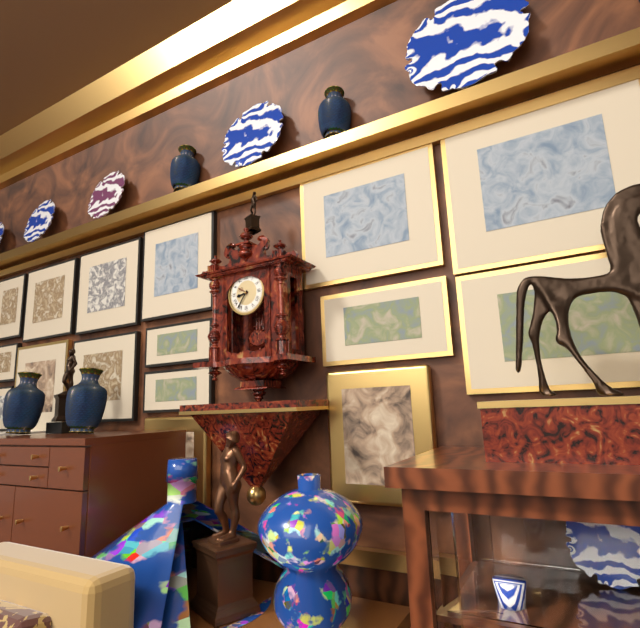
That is 8:36
